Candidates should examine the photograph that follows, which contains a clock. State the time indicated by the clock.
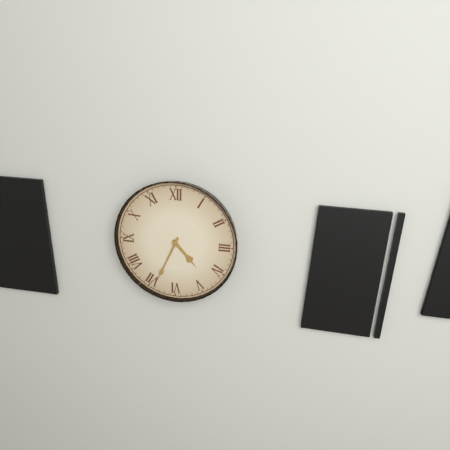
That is 4:34
